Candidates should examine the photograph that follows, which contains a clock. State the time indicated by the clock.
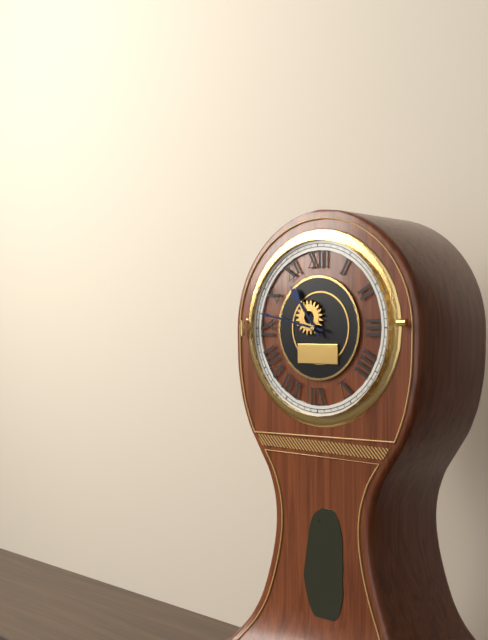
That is 10:47
